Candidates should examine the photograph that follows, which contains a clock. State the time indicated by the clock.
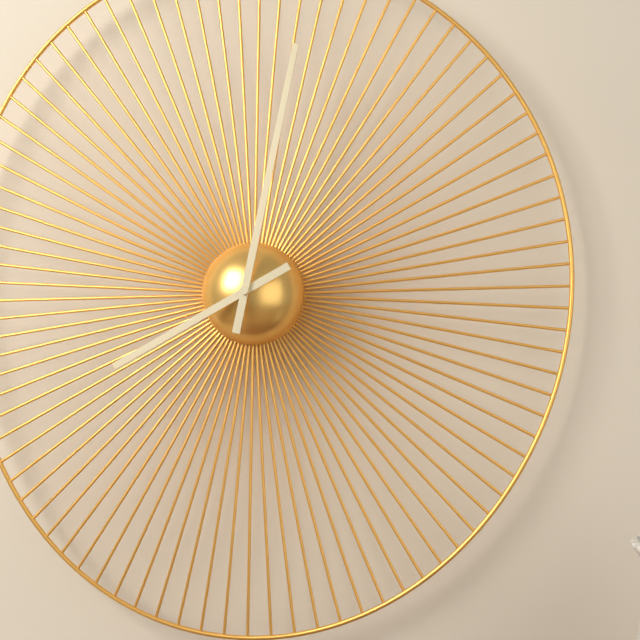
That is 8:02
